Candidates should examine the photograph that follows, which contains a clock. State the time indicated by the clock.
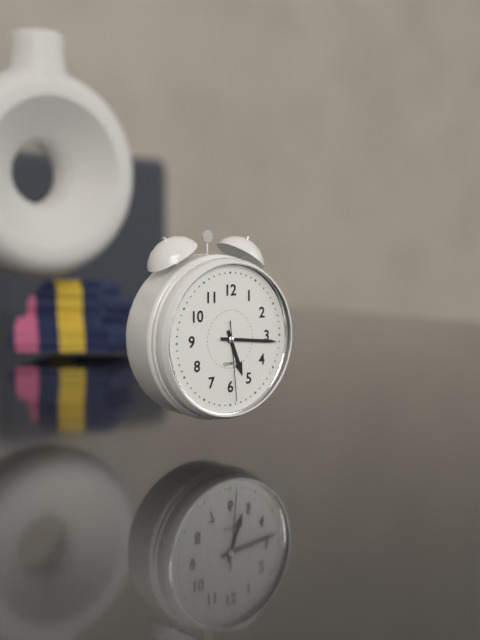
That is 5:16:29
